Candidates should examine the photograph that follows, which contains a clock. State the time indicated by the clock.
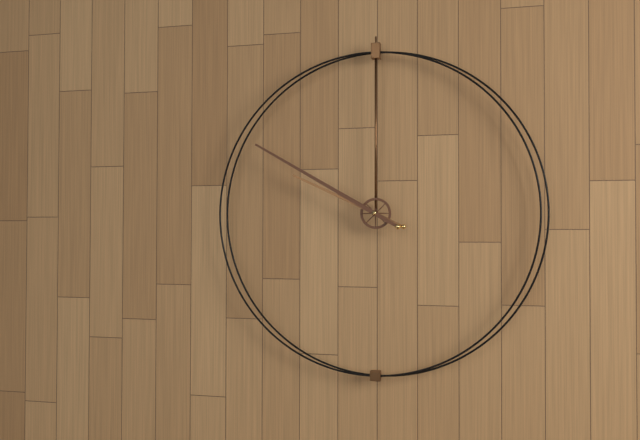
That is 9:50
